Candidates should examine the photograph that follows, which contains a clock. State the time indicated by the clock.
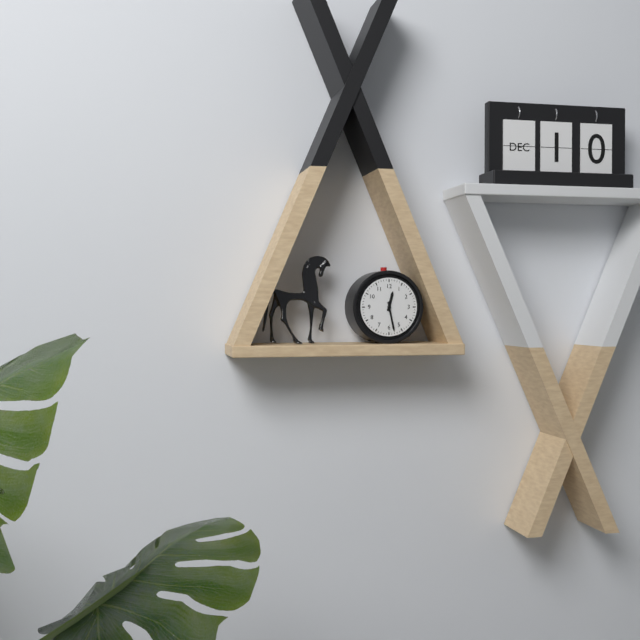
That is 12:28
